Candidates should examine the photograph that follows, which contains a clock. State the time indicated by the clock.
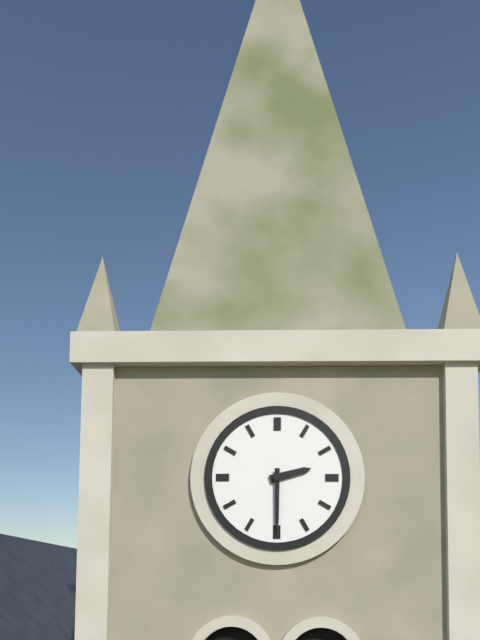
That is 2:30
